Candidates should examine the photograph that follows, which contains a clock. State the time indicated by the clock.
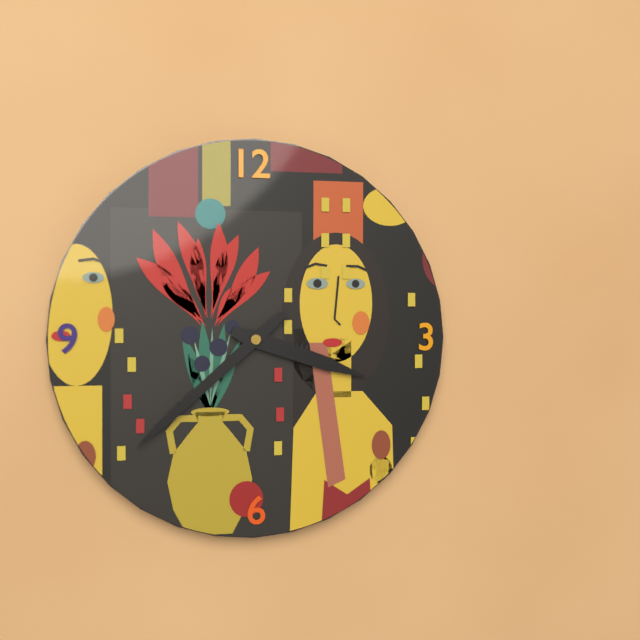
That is 3:38
